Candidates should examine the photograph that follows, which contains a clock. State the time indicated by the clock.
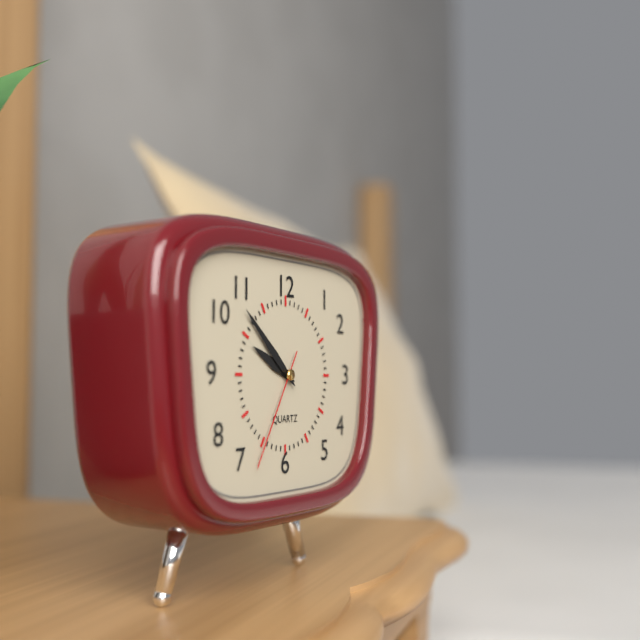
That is 9:52:35
